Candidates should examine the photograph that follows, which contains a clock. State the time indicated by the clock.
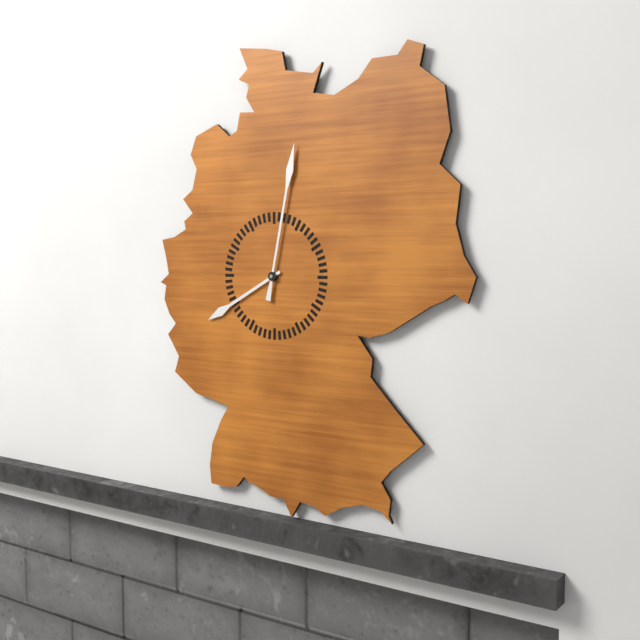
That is 8:02
